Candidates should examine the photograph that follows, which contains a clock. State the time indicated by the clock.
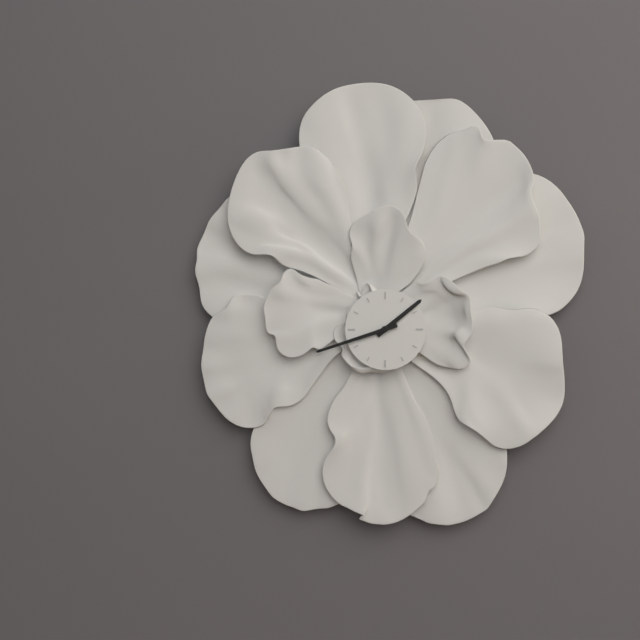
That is 1:42
